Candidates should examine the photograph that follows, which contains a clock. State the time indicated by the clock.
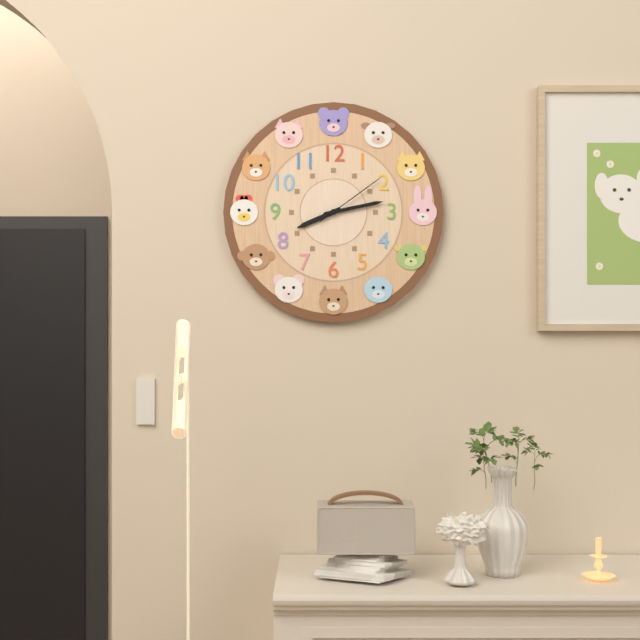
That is 8:13:09
